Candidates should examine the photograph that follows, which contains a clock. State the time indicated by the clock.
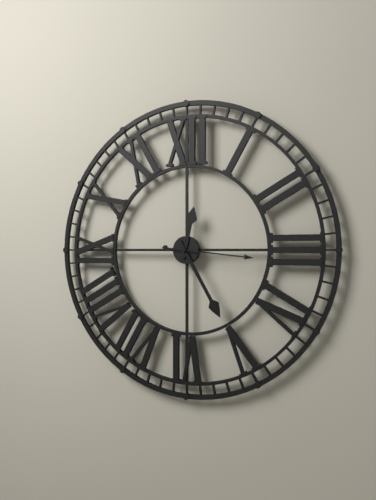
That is 12:25:16
